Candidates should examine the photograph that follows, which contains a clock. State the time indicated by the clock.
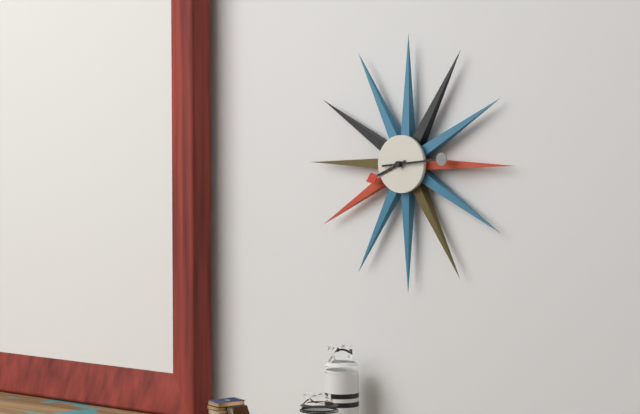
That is 8:14
